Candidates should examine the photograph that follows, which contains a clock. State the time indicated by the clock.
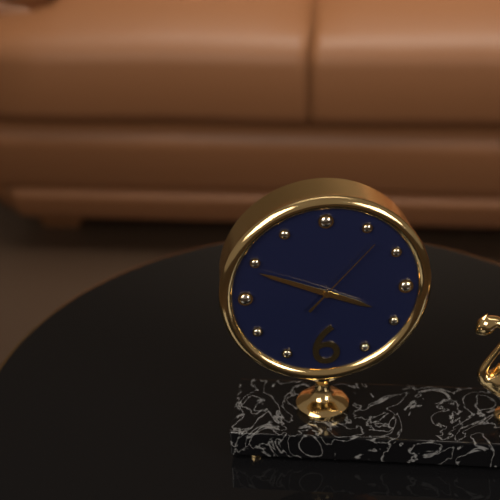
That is 3:49:07
